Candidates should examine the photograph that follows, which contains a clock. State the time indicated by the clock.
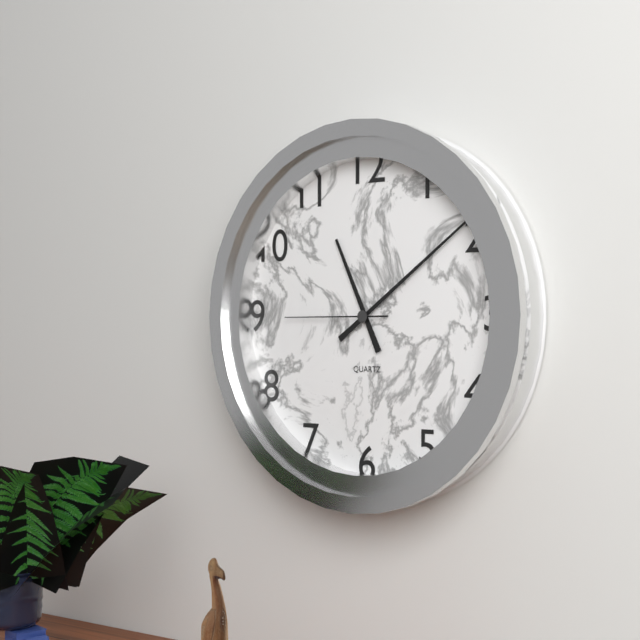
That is 11:09:45
